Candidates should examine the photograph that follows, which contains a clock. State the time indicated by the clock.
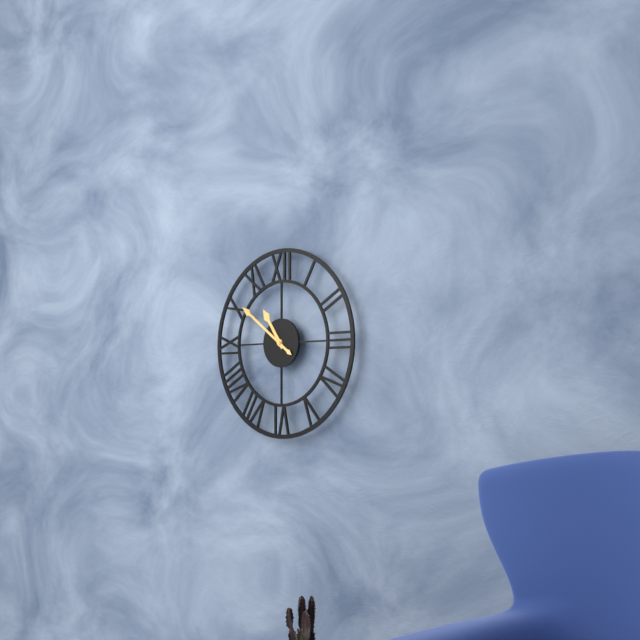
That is 10:51
